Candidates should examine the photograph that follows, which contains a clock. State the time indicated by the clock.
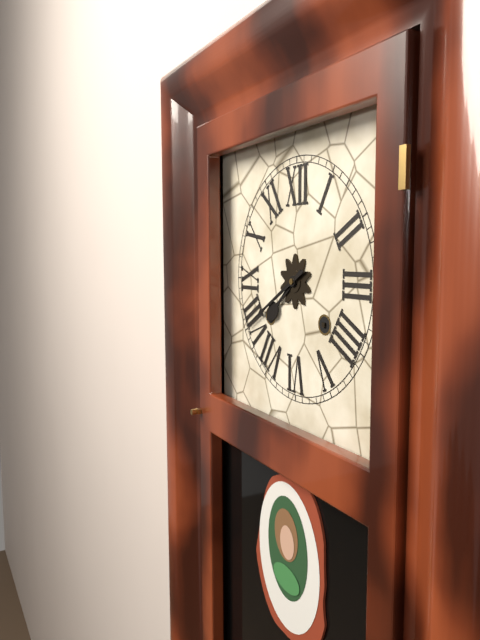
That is 7:40
